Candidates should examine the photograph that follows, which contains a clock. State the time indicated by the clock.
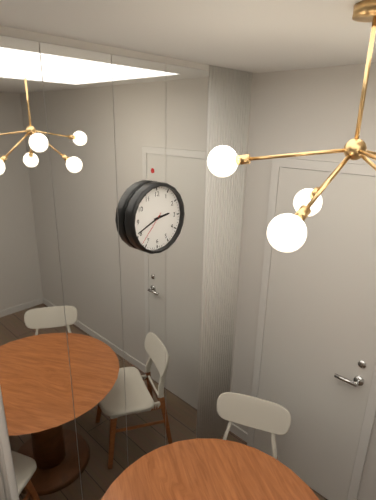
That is 2:41
